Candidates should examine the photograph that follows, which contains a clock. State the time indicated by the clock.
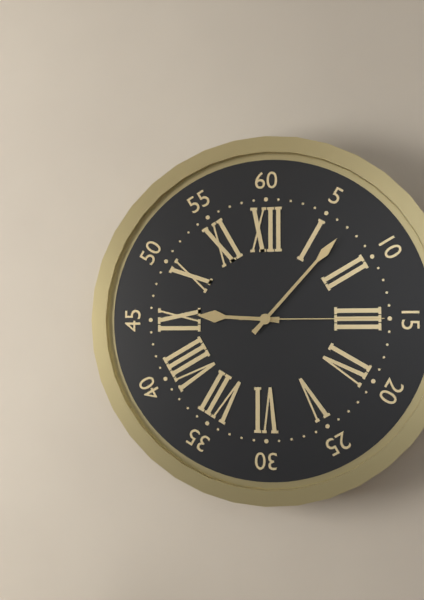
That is 9:07:15
